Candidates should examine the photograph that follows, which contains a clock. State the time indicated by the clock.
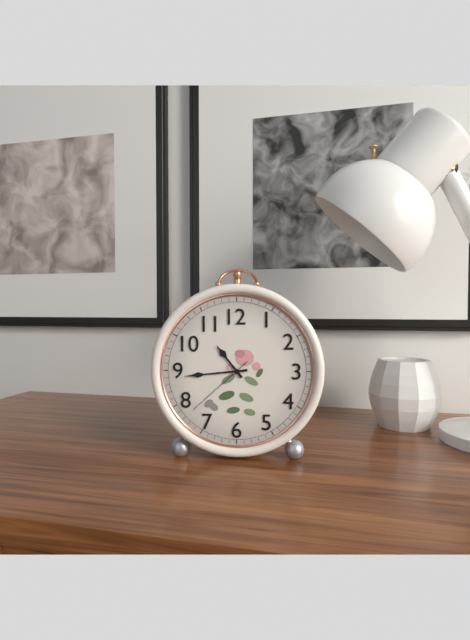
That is 10:44:38
